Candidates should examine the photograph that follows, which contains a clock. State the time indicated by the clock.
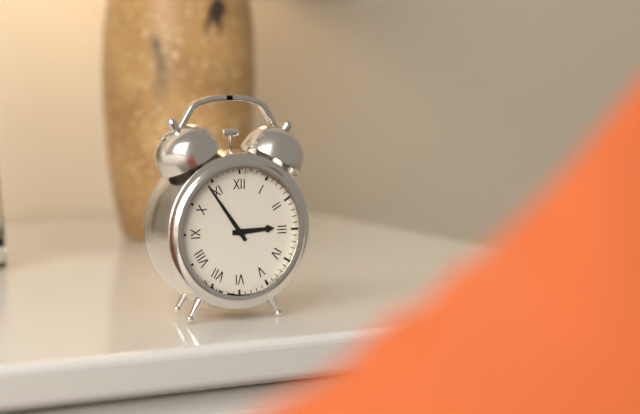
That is 2:54
